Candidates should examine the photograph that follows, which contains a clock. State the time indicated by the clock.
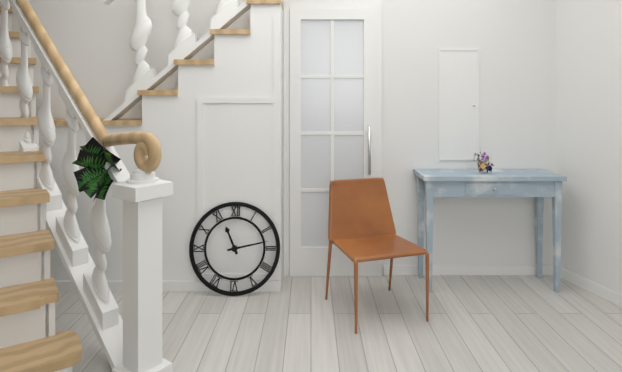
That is 11:13
